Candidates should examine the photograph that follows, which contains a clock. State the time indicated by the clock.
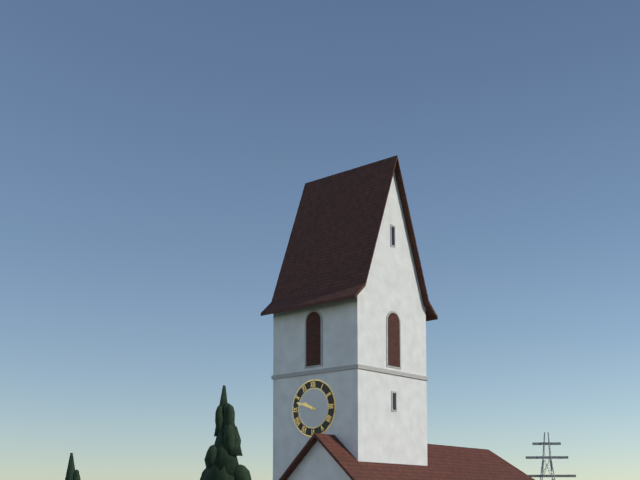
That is 9:48
